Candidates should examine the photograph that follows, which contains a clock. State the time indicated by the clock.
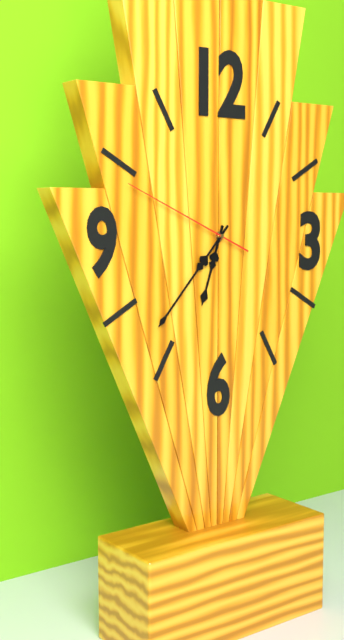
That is 6:37:49
